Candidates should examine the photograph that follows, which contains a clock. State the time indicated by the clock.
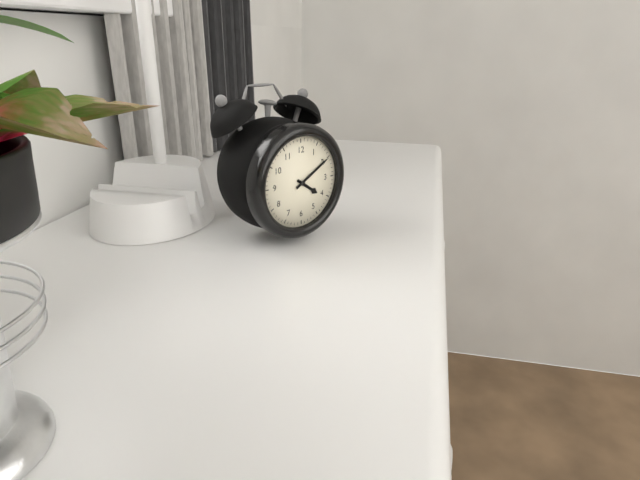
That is 4:10
